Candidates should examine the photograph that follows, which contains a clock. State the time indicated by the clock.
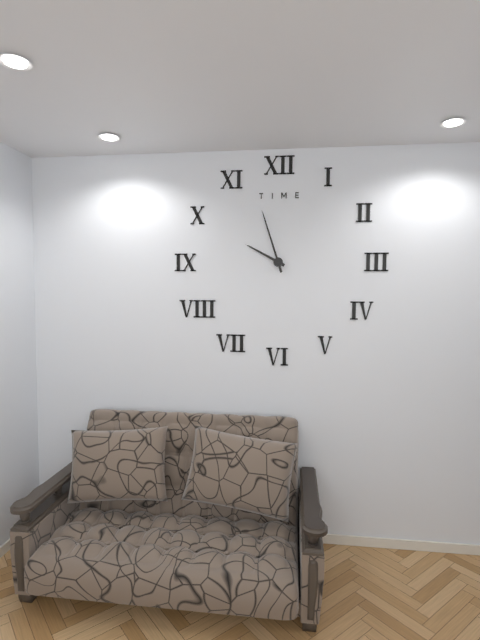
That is 9:57
